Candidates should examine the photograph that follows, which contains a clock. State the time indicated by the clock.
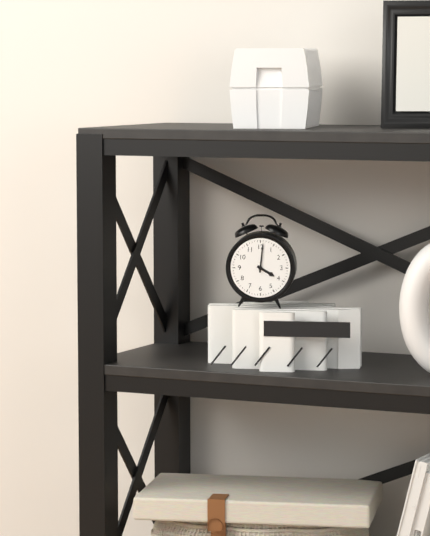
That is 4:01
